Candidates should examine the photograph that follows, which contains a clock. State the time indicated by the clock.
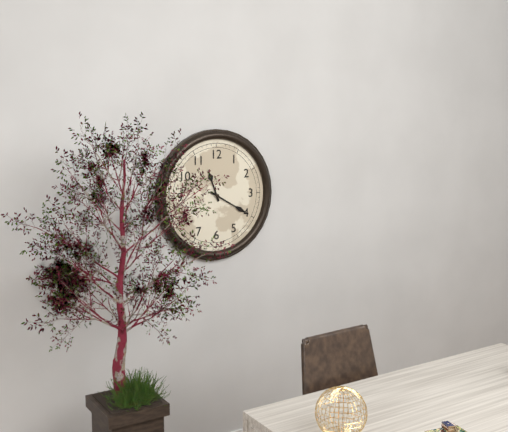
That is 11:20
